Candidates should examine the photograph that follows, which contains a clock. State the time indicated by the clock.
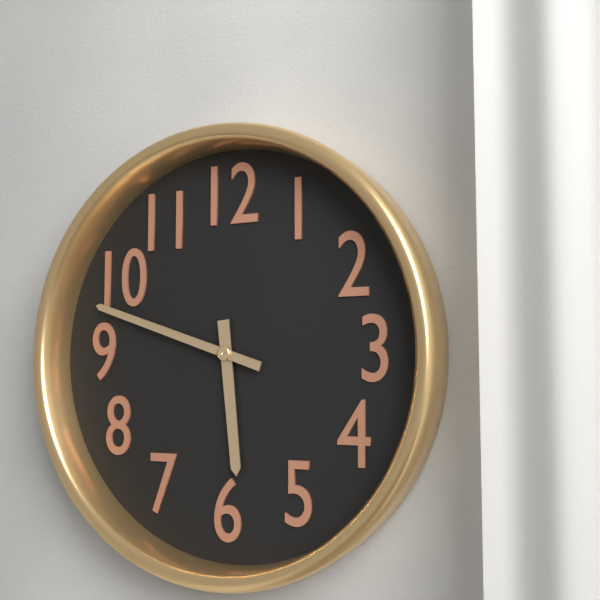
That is 5:48
